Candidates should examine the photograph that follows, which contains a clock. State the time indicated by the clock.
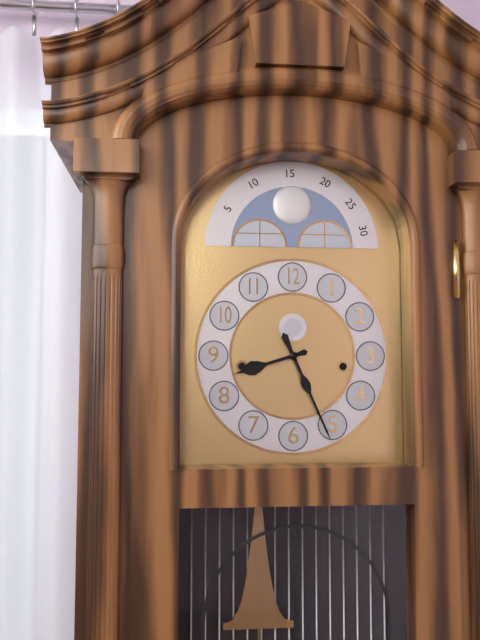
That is 8:26
